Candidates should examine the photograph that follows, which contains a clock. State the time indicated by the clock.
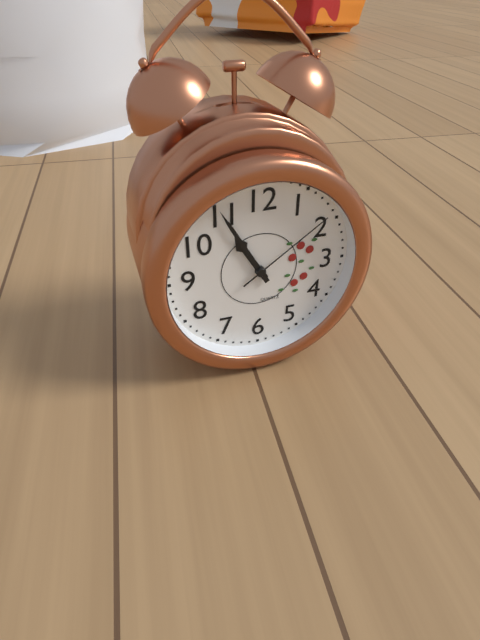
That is 10:55:09
